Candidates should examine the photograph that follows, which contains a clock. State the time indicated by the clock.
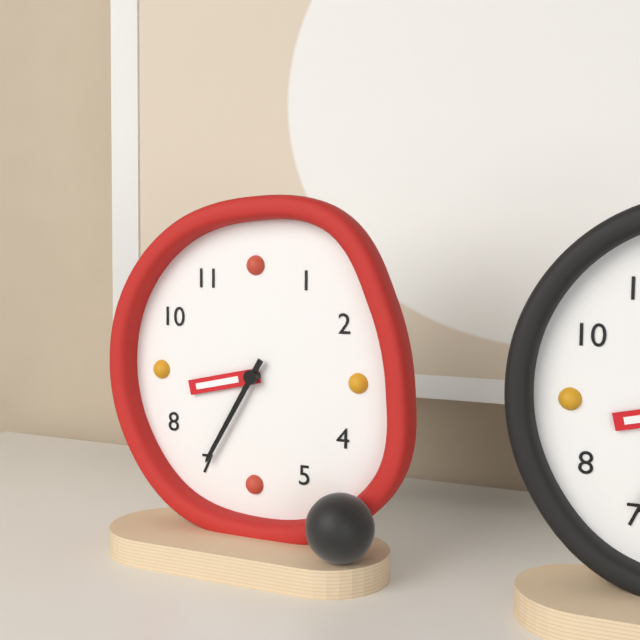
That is 8:35
